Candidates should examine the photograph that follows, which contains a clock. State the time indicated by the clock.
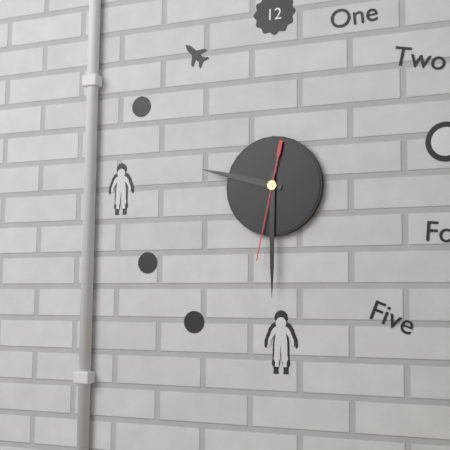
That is 9:30:32
